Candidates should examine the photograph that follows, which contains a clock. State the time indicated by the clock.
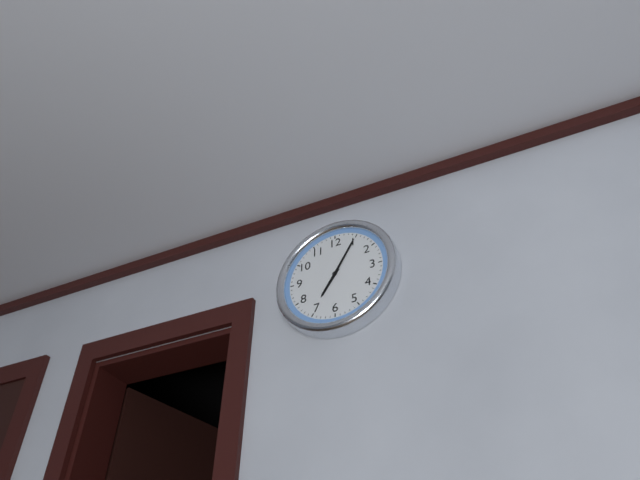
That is 7:05
